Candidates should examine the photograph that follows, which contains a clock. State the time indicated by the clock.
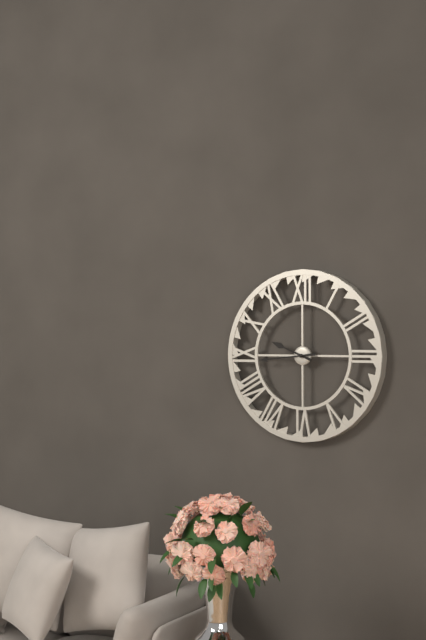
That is 9:44
